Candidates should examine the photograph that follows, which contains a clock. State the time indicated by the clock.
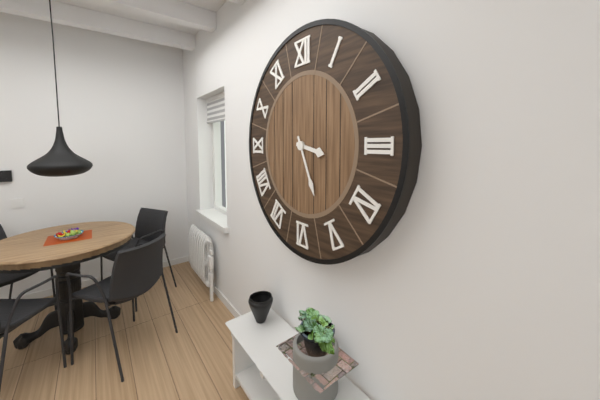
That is 3:26
